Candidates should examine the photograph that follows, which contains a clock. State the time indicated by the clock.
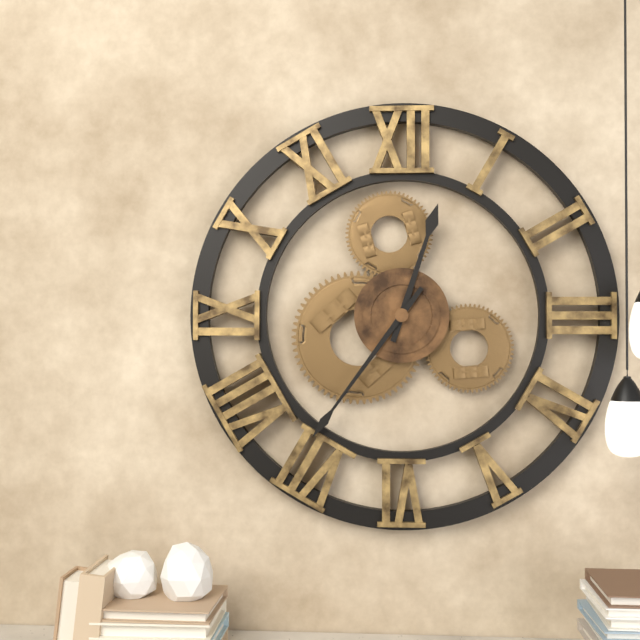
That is 12:36
